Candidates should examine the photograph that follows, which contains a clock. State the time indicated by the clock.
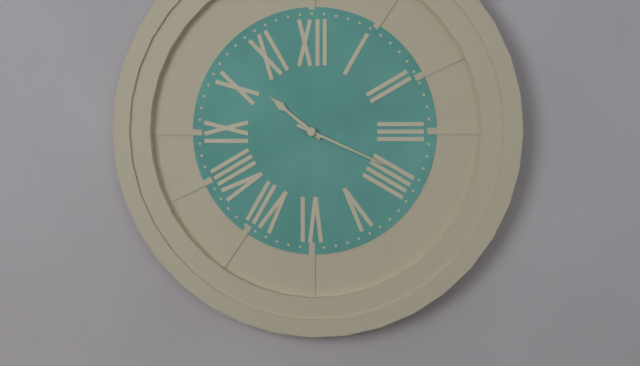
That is 10:19
